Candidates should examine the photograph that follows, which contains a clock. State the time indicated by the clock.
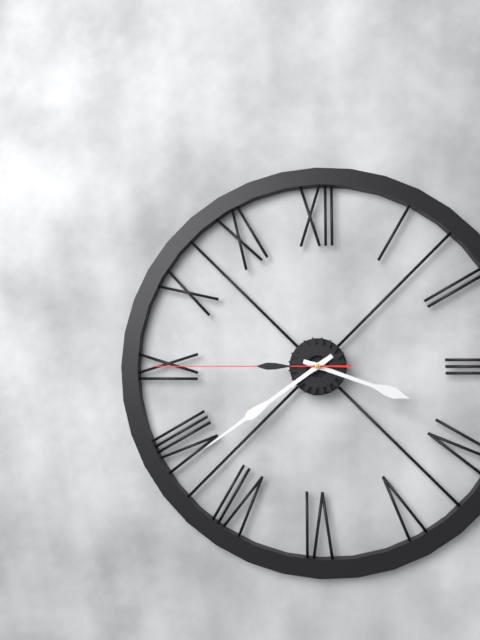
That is 3:39:45
